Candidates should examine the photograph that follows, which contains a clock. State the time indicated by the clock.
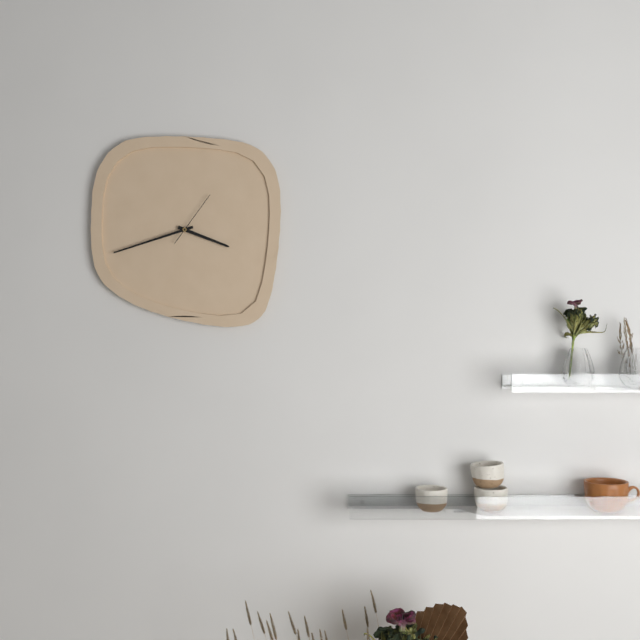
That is 3:42:06
